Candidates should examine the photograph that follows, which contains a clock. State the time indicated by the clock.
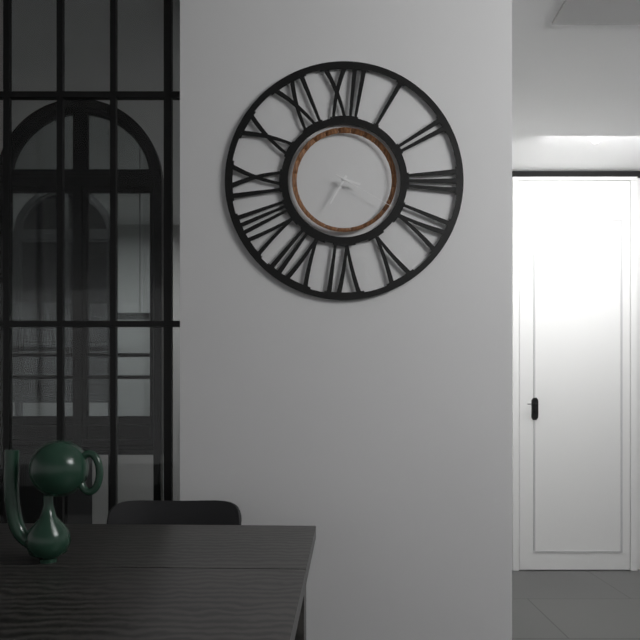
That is 3:35:20
